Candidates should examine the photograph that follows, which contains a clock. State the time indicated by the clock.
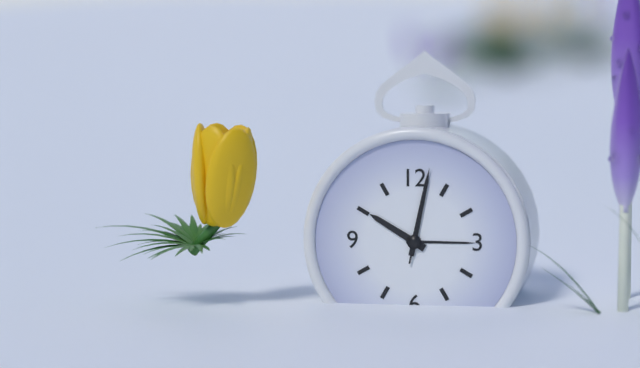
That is 10:02:02
